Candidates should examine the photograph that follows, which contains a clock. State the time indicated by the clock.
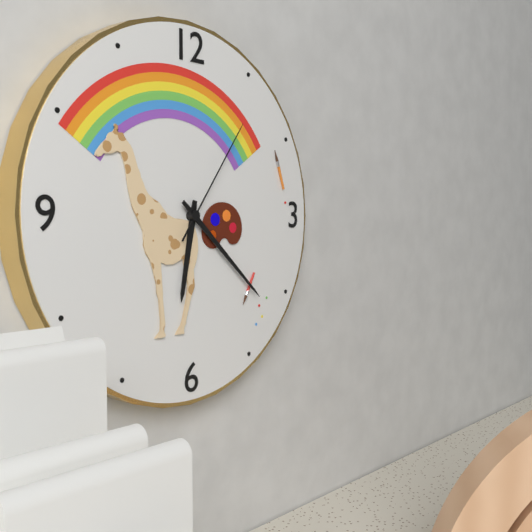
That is 6:22:06
